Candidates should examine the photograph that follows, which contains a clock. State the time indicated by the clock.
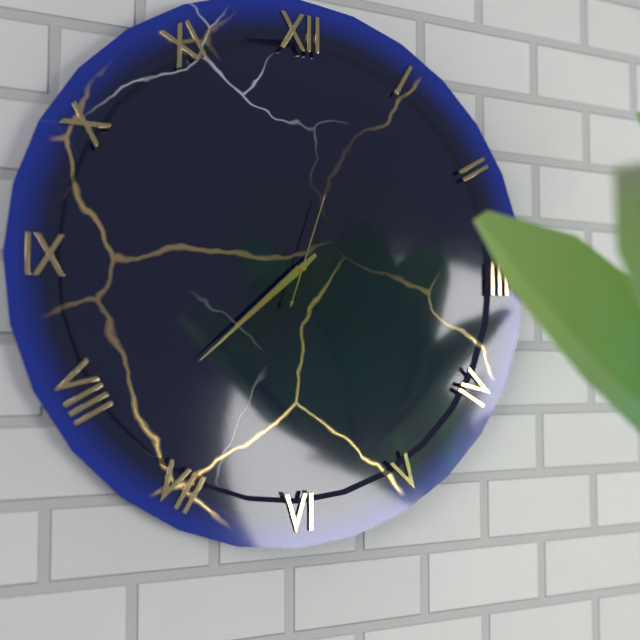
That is 7:38:03
